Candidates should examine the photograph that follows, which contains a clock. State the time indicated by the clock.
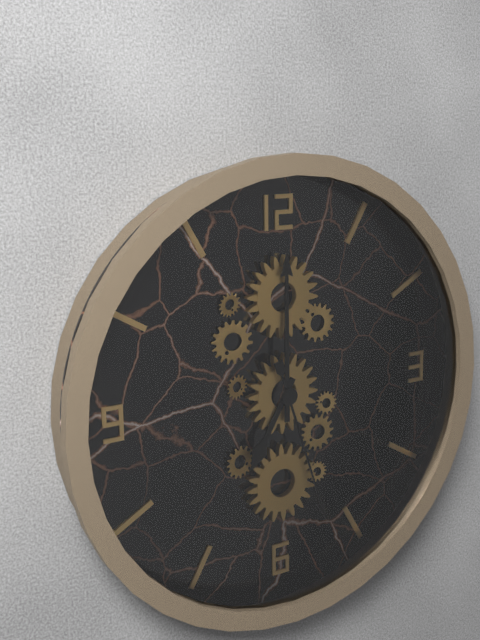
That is 7:00:27
